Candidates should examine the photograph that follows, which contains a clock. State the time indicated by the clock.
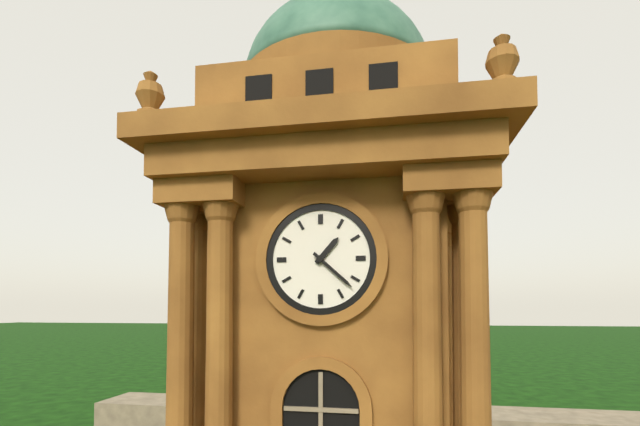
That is 1:22
